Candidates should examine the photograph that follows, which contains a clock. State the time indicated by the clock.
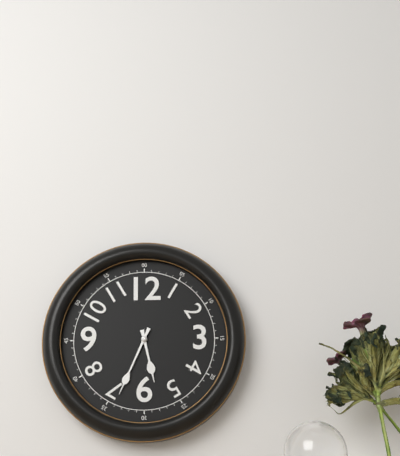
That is 5:34
